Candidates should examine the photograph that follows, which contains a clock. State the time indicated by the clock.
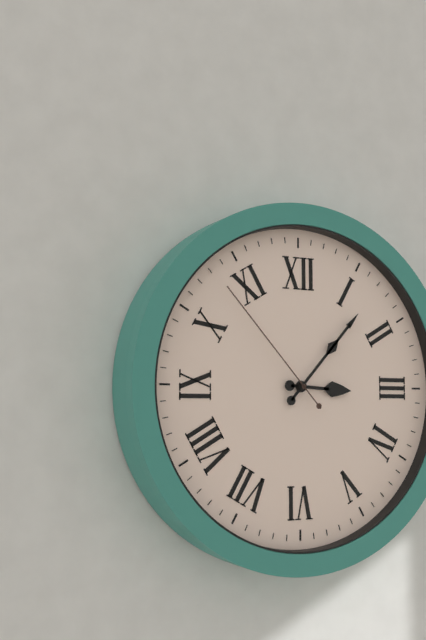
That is 3:07:53
